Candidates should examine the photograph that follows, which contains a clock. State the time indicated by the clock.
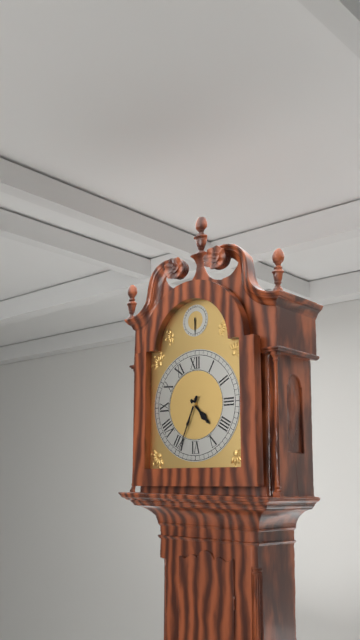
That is 4:34
